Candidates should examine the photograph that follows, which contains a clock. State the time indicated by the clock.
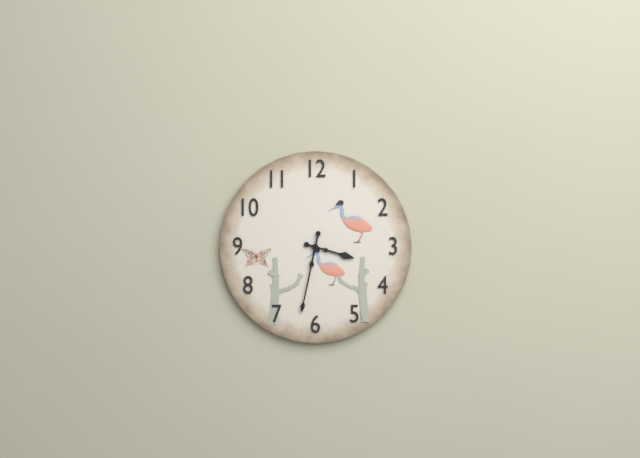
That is 3:32
